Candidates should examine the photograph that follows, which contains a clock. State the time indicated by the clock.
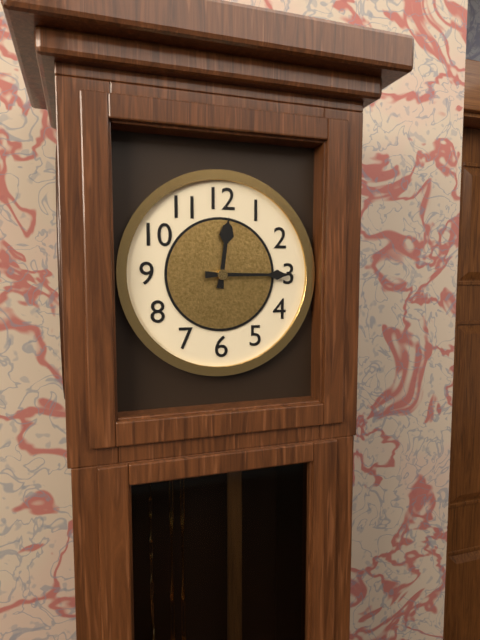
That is 12:15
